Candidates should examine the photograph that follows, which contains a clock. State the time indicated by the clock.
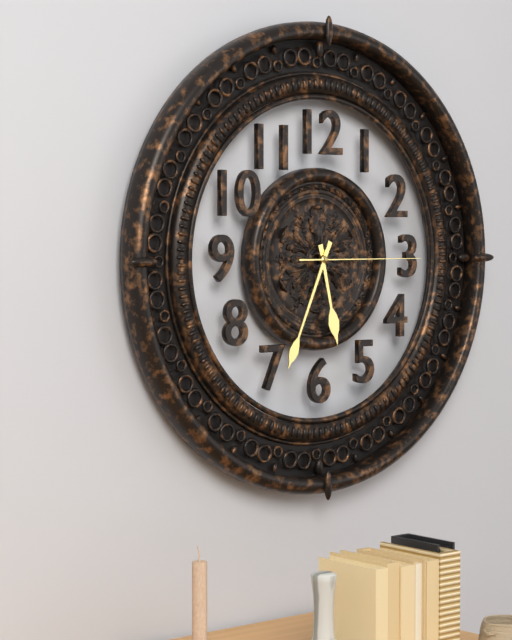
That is 5:34:15
